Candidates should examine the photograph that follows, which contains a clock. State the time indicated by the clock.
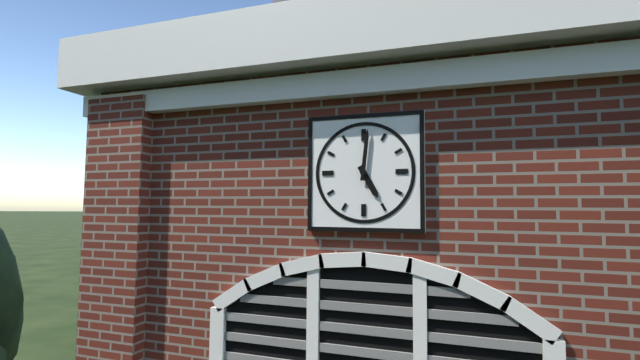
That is 5:01
